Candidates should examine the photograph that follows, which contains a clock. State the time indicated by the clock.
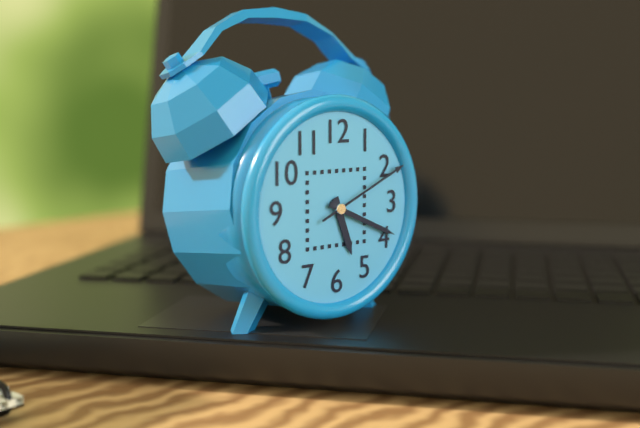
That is 5:19:11
